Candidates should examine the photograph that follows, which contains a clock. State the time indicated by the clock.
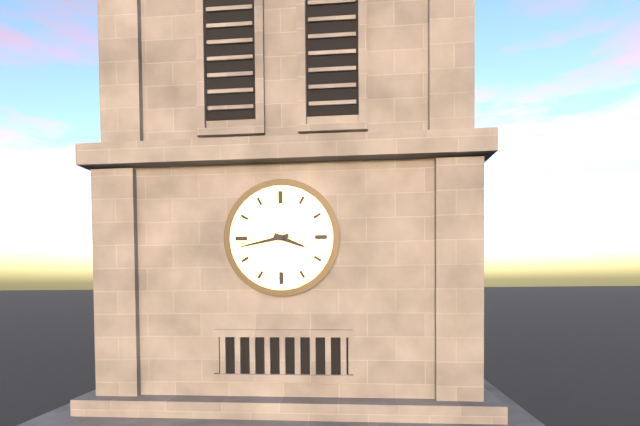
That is 3:43
